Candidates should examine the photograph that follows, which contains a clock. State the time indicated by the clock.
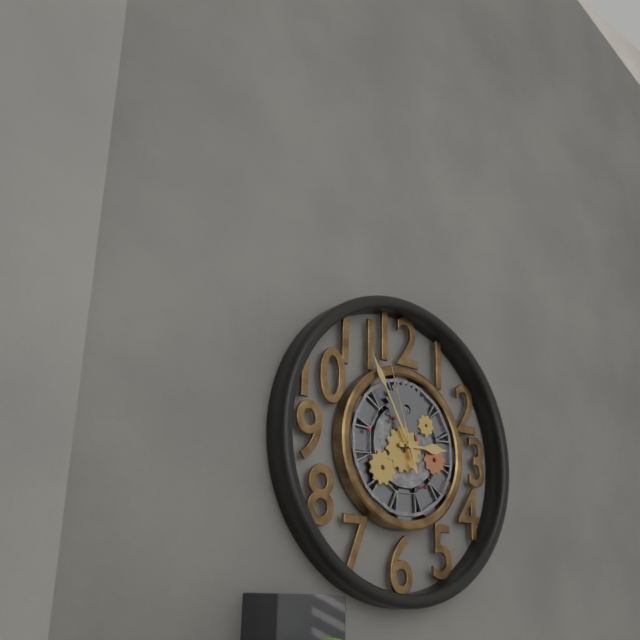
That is 2:55:57
